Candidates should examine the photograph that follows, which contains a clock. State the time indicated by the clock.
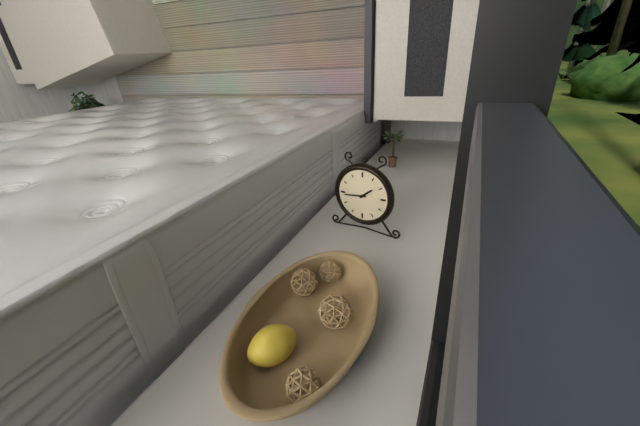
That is 1:44
